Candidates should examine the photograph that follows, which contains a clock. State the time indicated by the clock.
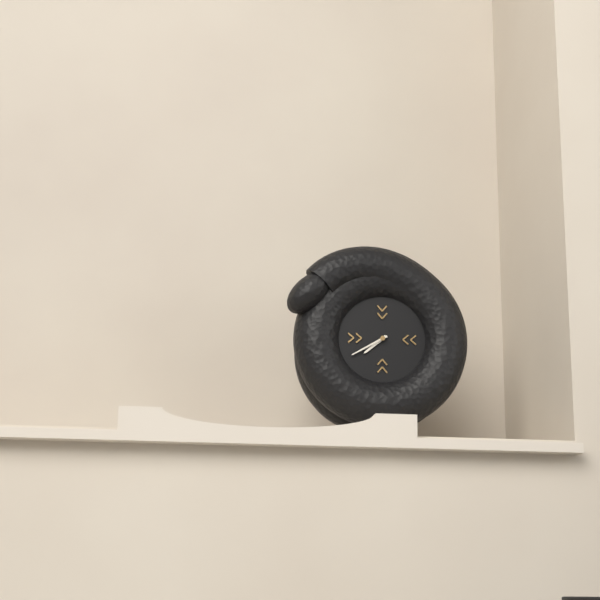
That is 7:40
